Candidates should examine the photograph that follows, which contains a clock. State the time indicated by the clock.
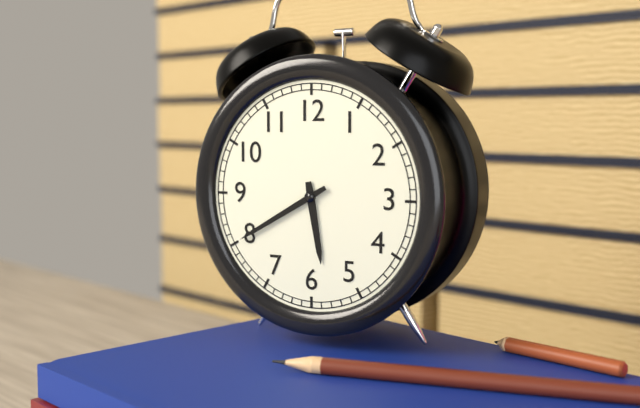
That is 5:40
